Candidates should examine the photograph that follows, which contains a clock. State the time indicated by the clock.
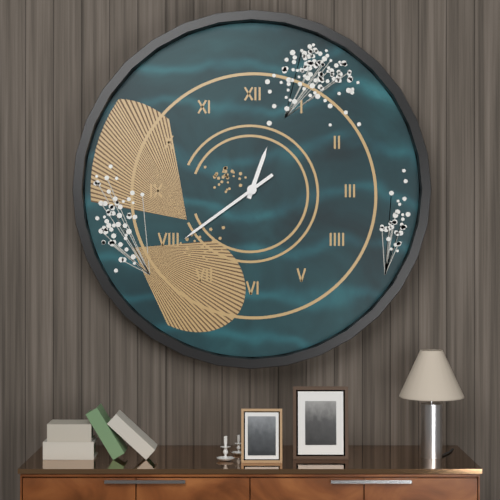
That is 12:39
